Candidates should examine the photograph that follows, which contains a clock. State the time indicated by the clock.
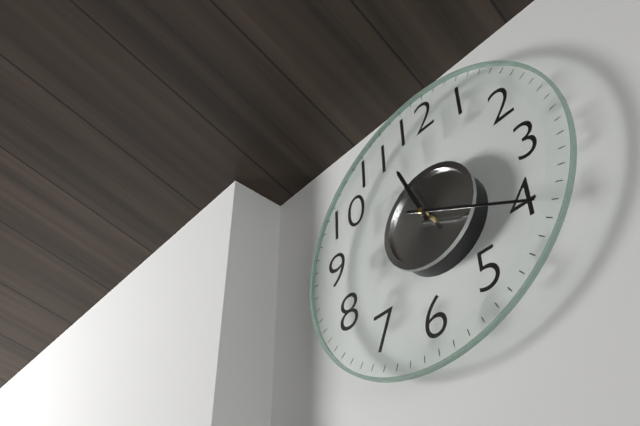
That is 11:20
